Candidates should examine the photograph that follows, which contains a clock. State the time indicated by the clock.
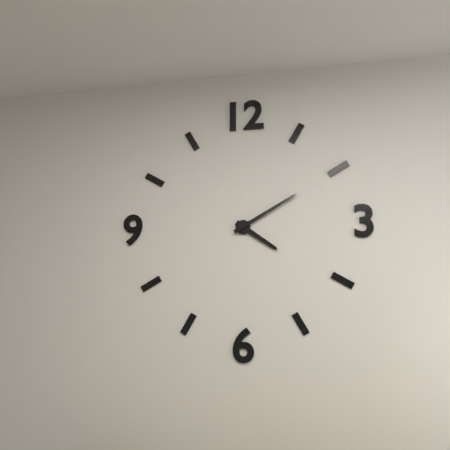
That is 4:10
